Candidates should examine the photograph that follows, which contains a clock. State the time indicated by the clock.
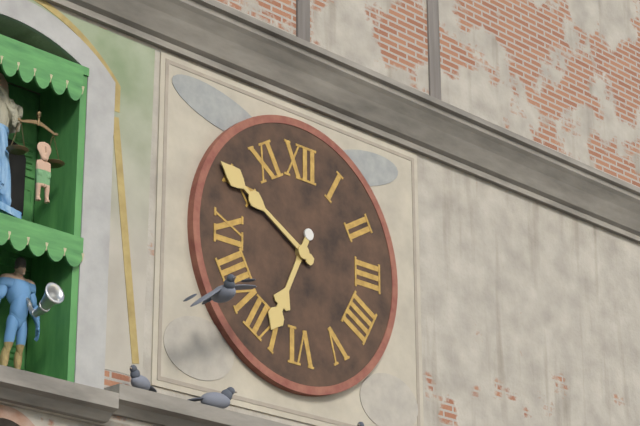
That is 6:50
